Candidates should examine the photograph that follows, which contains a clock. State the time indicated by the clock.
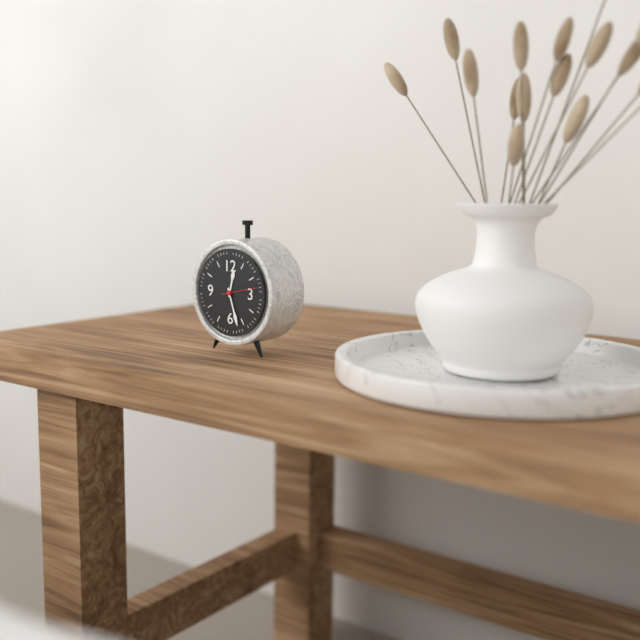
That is 12:27
